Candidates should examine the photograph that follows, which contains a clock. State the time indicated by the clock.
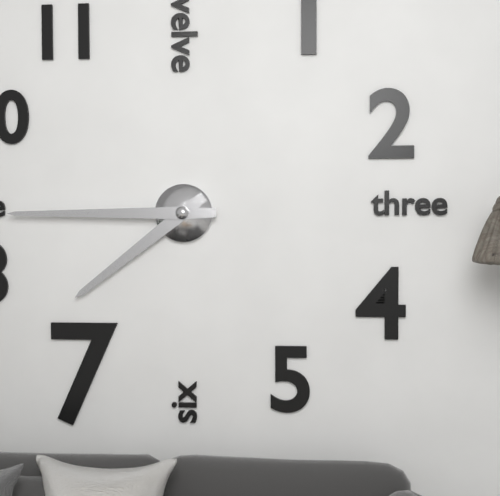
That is 7:45
